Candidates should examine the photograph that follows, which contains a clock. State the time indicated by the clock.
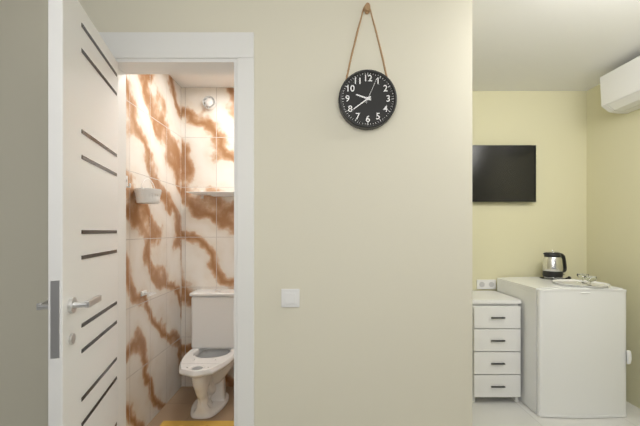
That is 9:39
